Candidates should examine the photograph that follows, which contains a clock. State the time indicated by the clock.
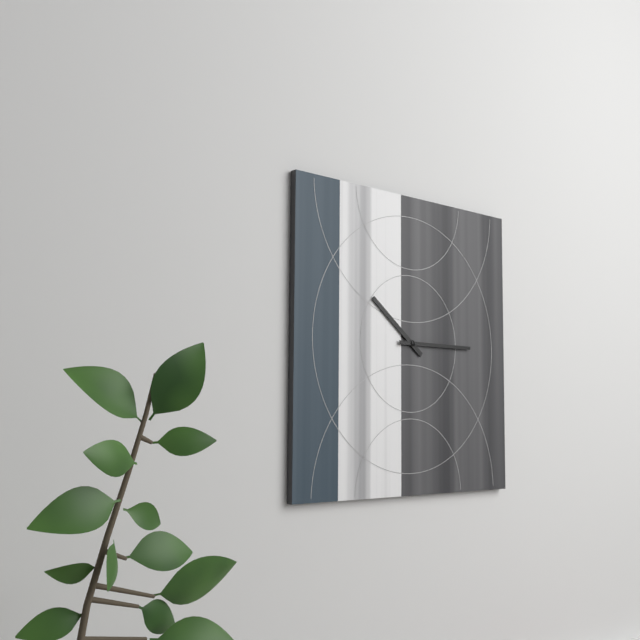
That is 10:15
